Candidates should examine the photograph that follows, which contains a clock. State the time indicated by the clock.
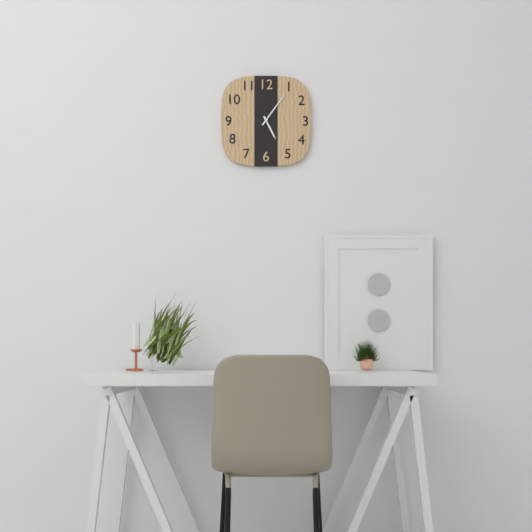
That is 5:06
